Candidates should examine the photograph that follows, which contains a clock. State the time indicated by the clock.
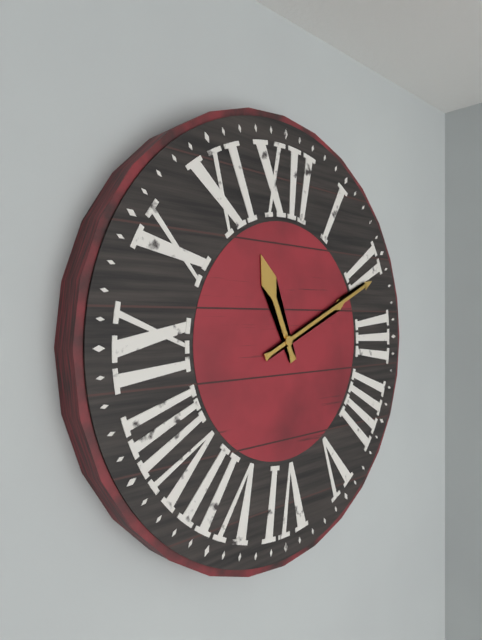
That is 11:11
